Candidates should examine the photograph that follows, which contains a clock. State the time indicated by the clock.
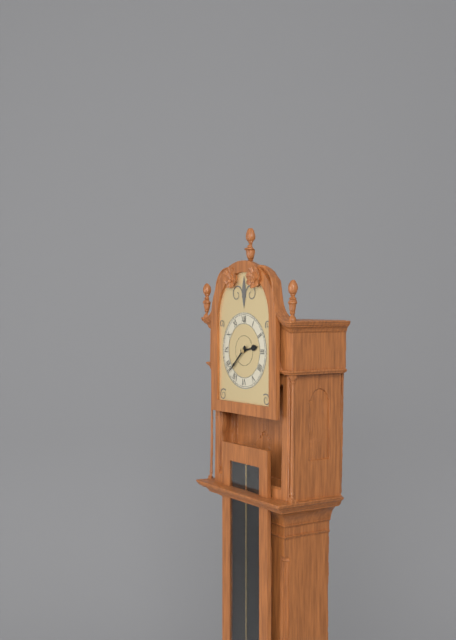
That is 2:38
